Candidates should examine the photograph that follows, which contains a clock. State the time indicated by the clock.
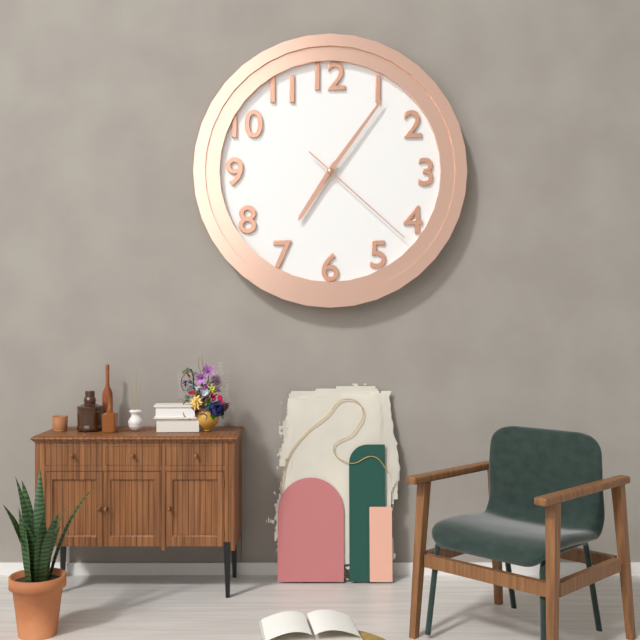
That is 7:06:22
